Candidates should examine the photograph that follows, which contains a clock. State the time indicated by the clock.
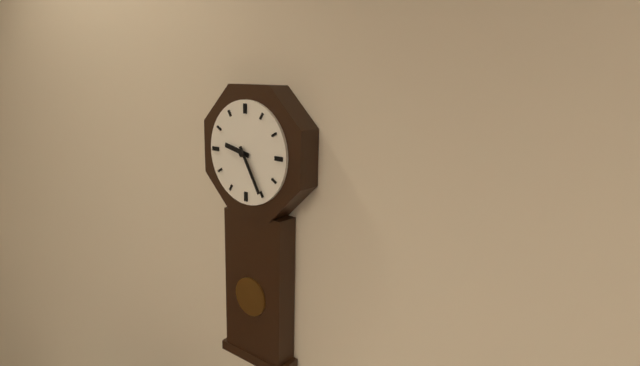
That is 9:25
